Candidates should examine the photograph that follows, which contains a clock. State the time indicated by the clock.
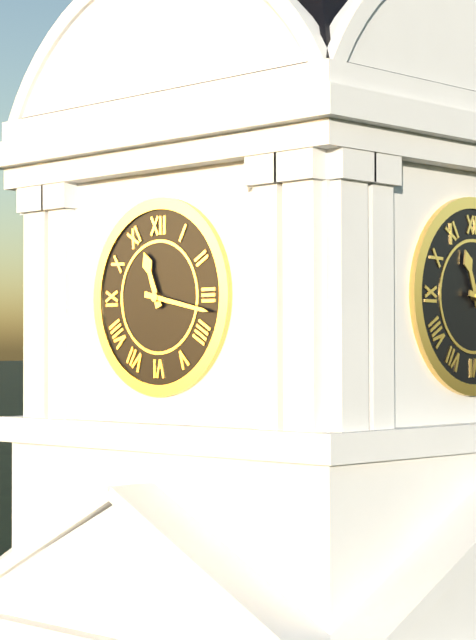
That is 11:17
